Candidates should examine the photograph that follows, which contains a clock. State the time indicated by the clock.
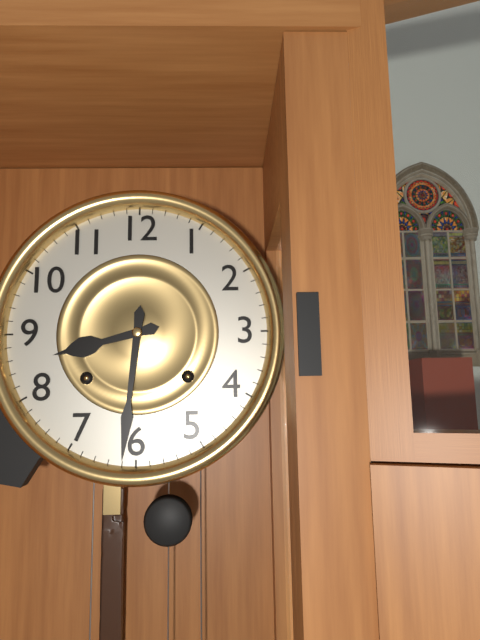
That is 8:31
